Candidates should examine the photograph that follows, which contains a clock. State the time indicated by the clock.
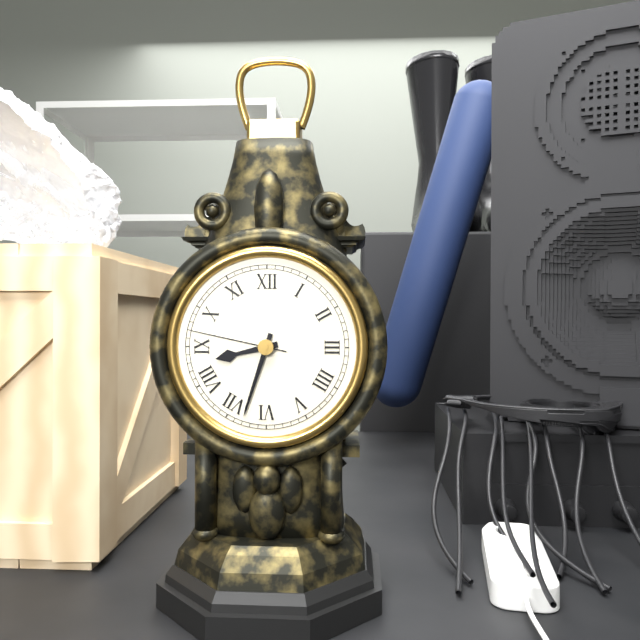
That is 8:33:47
